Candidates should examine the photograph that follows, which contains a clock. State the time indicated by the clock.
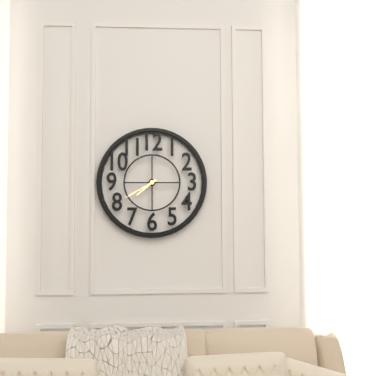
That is 7:40
